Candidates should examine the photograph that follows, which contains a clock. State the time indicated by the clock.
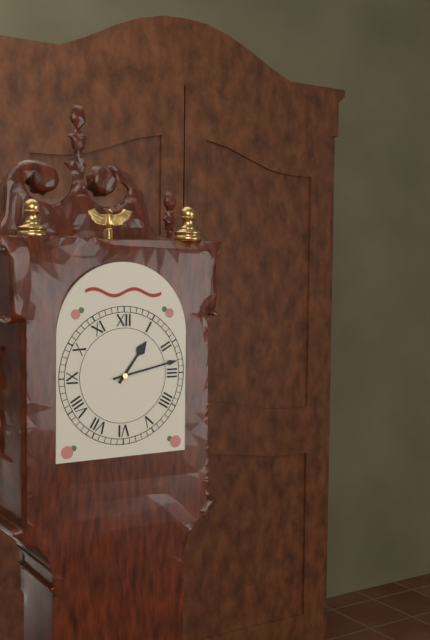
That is 1:13
